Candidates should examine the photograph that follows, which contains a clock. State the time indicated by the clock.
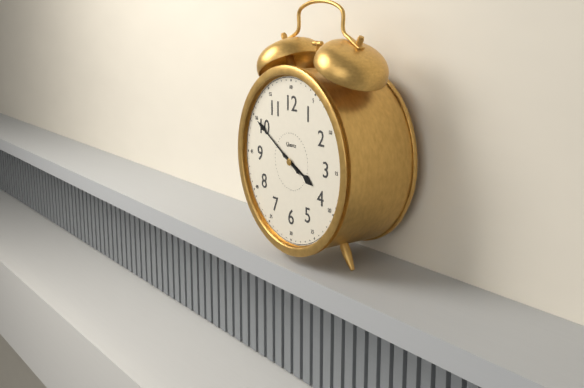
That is 3:50
